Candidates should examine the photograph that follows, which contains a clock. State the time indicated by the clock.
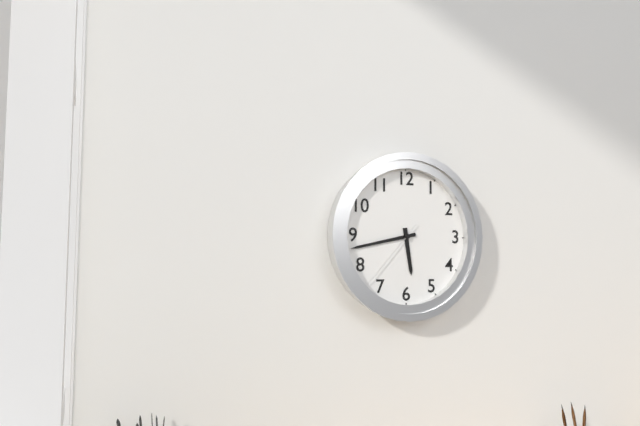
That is 5:43:37
